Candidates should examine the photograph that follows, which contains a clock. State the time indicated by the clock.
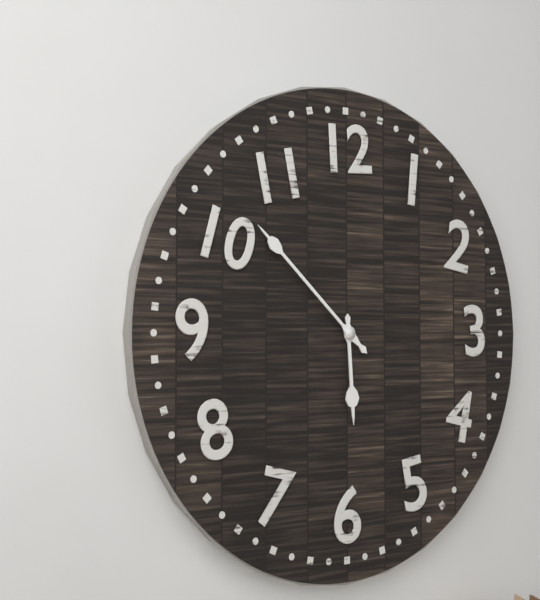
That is 5:52
